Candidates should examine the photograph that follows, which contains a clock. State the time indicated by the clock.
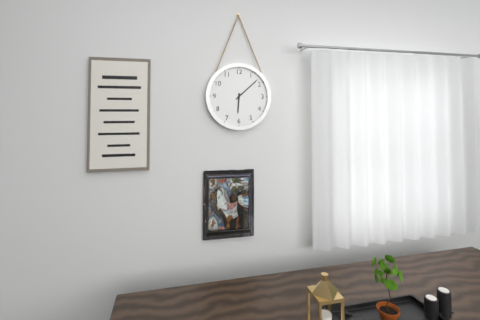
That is 6:08
